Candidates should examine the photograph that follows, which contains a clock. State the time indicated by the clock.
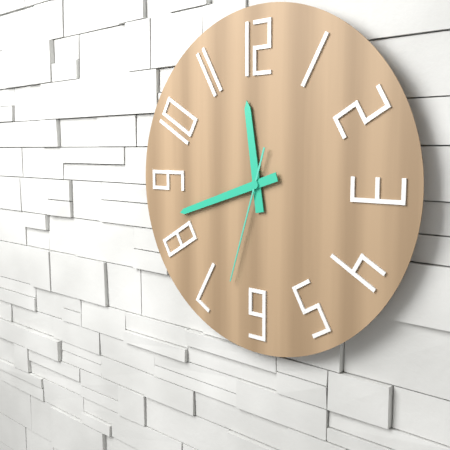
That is 11:42:33
